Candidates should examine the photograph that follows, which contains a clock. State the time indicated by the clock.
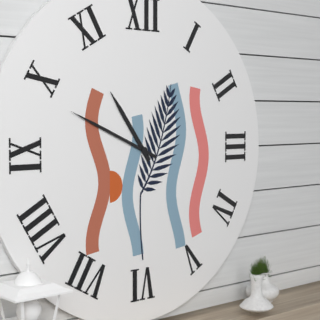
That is 10:49
